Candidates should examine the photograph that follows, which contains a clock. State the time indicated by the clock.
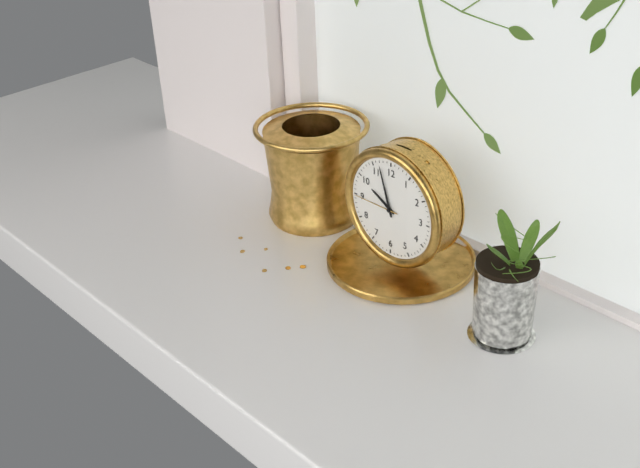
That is 9:57
